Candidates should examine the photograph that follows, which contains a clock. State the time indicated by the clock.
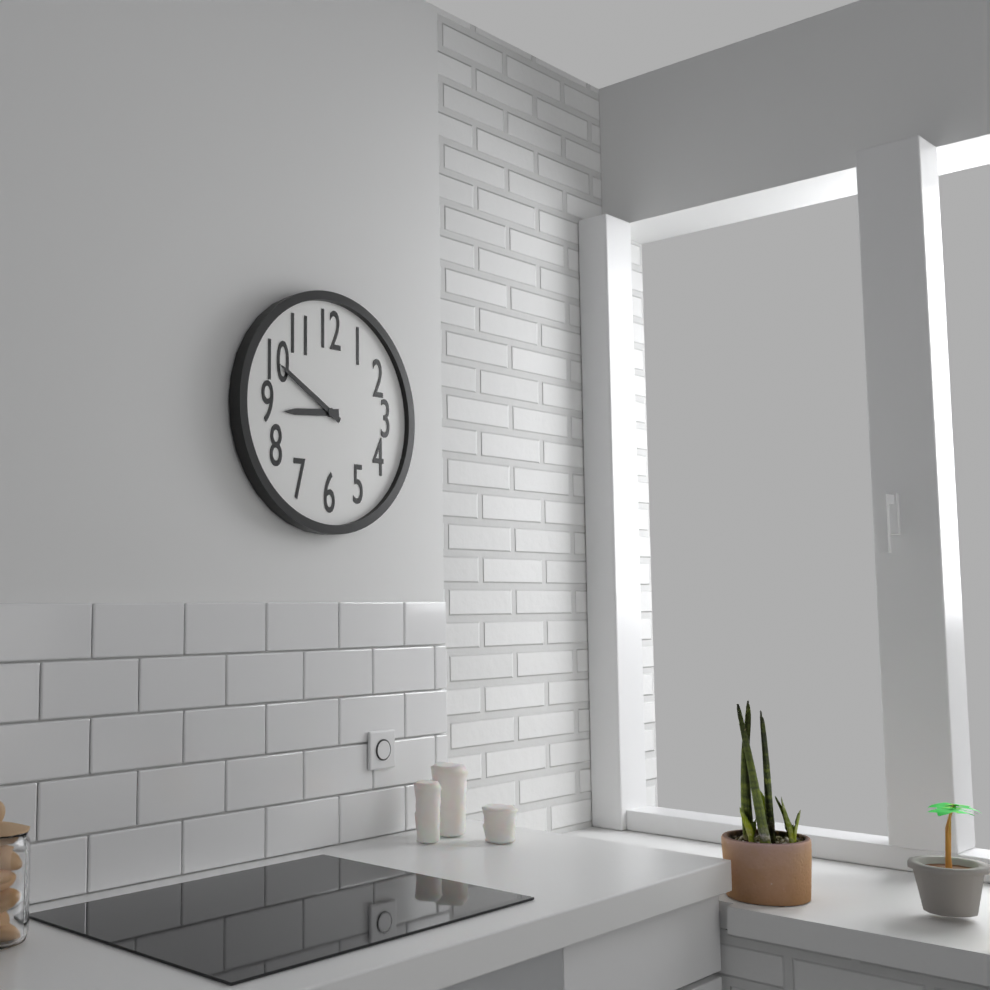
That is 8:50
